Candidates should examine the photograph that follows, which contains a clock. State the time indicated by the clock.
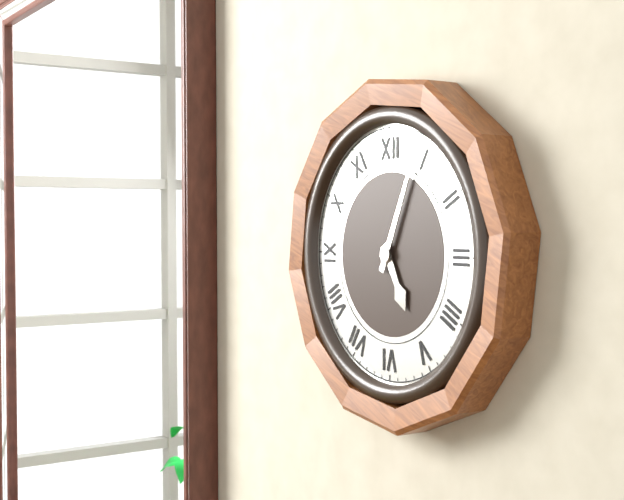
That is 5:04
